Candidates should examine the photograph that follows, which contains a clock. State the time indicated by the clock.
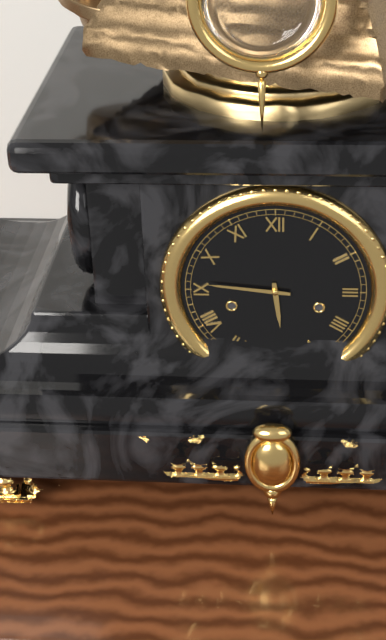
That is 5:46
